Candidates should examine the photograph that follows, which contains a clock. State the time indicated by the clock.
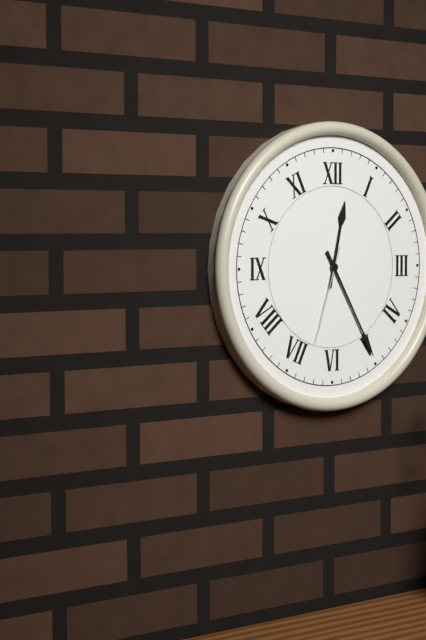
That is 12:25:33
